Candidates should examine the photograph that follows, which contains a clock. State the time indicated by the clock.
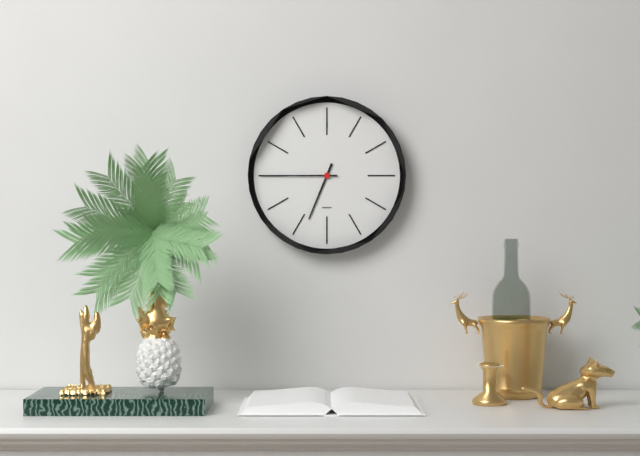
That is 6:45
